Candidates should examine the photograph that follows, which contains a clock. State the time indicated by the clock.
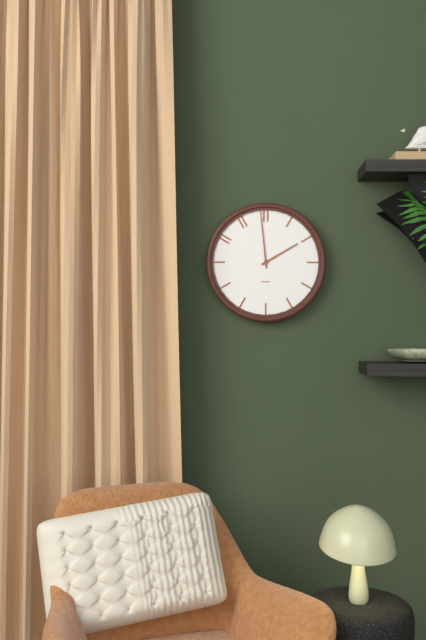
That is 1:59
